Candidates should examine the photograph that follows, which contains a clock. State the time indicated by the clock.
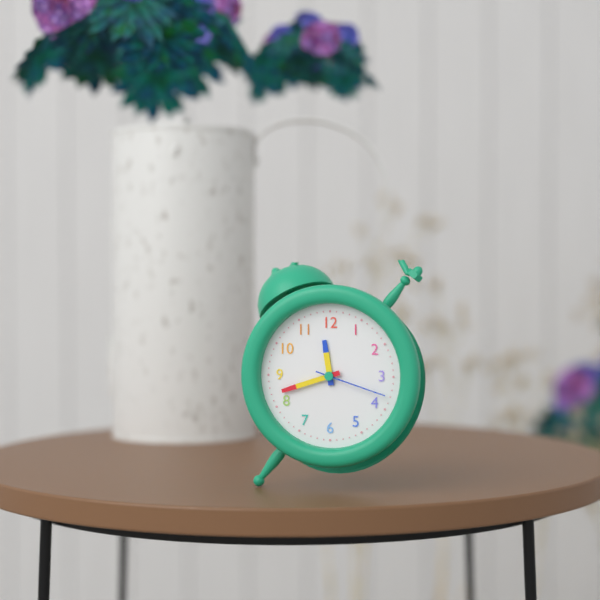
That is 11:42:18
